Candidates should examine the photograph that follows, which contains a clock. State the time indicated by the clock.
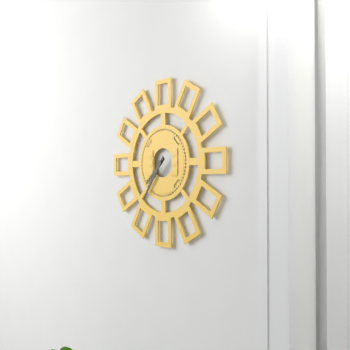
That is 7:36
